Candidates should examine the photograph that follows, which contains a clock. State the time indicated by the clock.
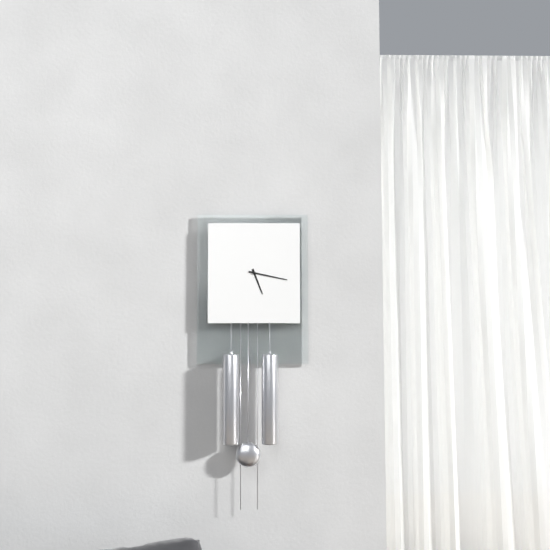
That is 5:17
